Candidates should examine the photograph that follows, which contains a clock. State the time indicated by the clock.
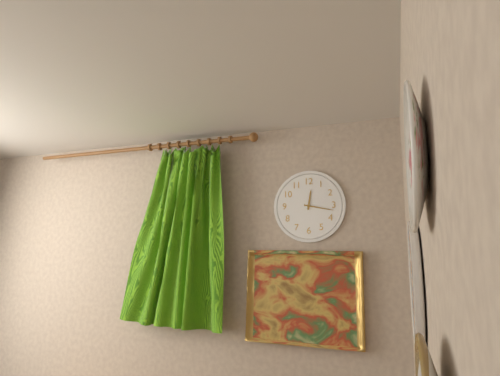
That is 12:17
